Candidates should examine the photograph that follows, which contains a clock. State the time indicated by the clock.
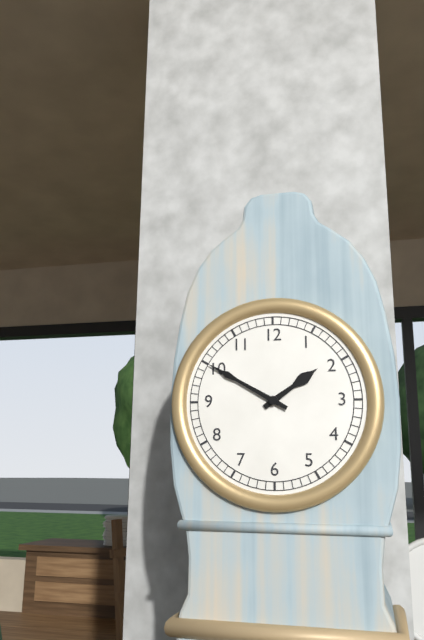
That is 1:50
